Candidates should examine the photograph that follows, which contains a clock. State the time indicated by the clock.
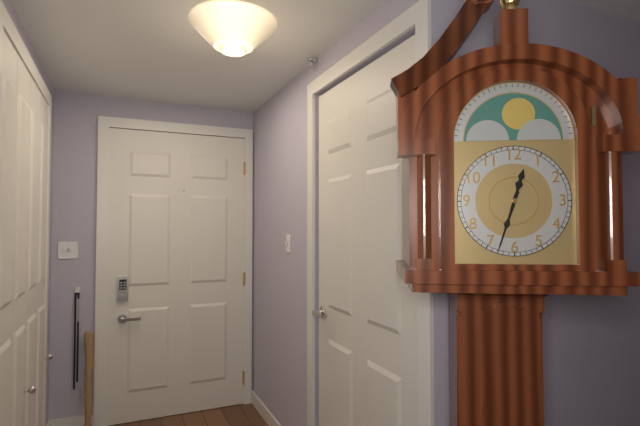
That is 12:33
